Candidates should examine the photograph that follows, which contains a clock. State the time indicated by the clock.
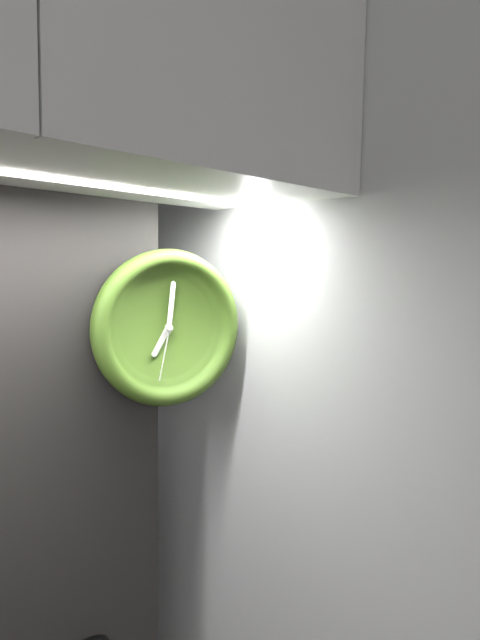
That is 7:01:32
